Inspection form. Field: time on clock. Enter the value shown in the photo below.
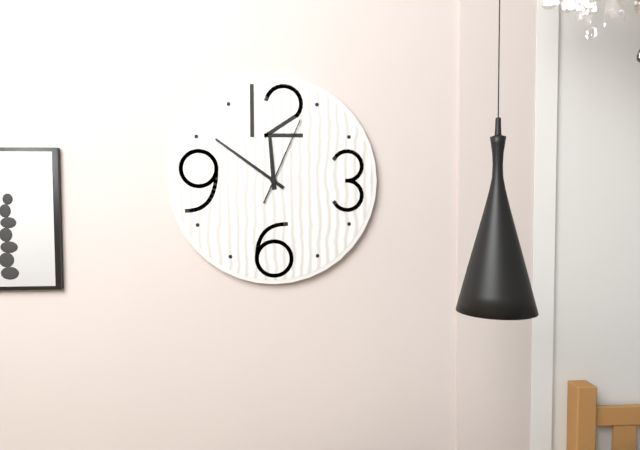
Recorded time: 11:51:04
